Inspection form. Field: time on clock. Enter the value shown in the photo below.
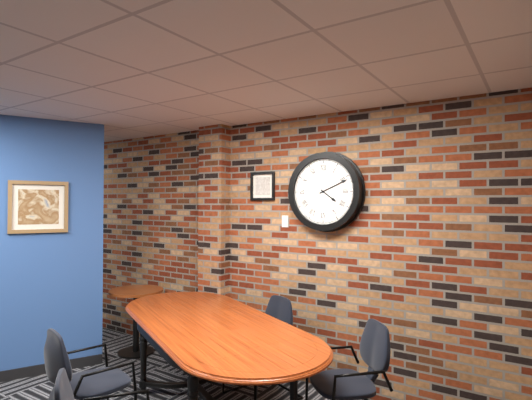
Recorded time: 4:11
